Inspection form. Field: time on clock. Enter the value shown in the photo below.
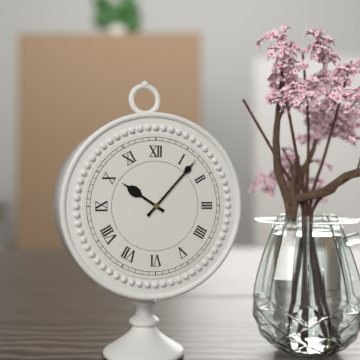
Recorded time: 10:07
